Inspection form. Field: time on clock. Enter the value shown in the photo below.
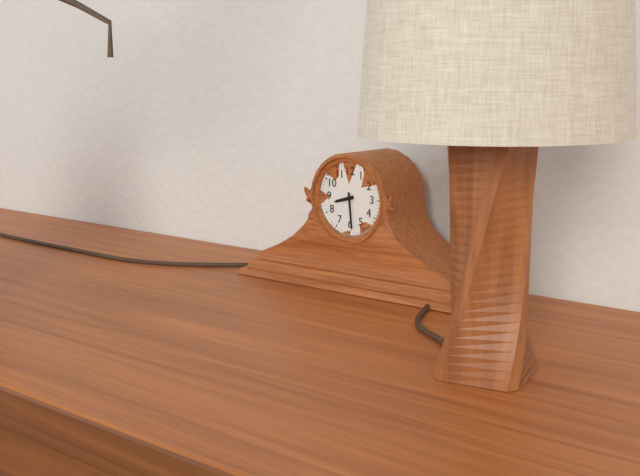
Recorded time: 8:29
